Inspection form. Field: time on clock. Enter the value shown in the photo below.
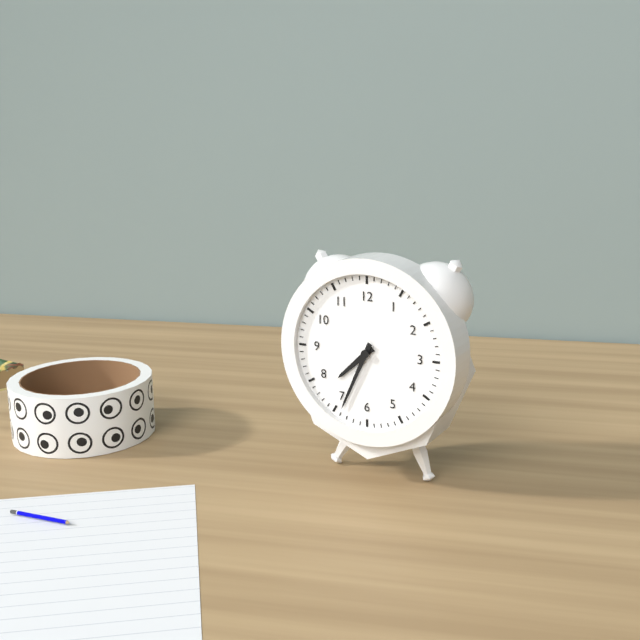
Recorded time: 7:34
